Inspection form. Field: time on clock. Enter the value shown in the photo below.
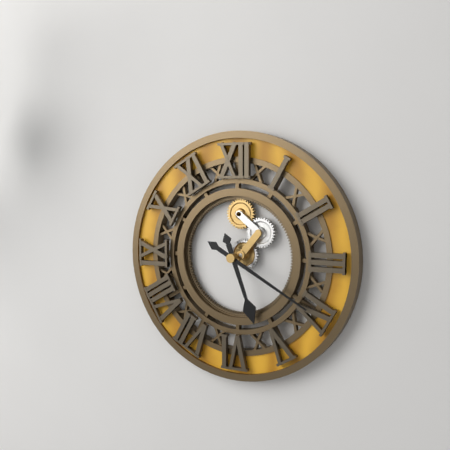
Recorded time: 5:20
